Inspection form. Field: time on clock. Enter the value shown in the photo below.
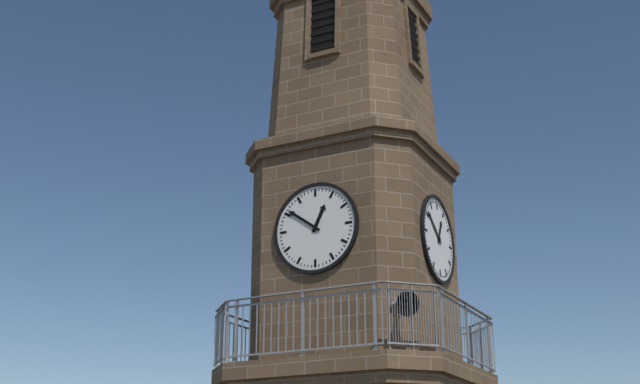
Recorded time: 12:51
